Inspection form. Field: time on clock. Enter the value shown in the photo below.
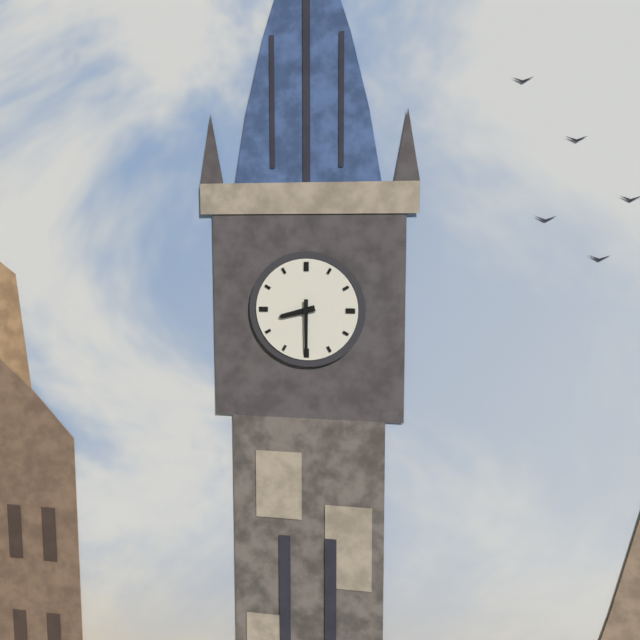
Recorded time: 8:30
